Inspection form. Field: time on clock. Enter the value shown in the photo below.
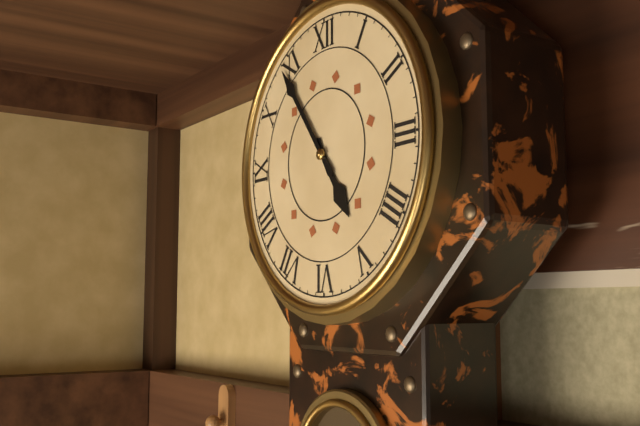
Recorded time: 4:54
